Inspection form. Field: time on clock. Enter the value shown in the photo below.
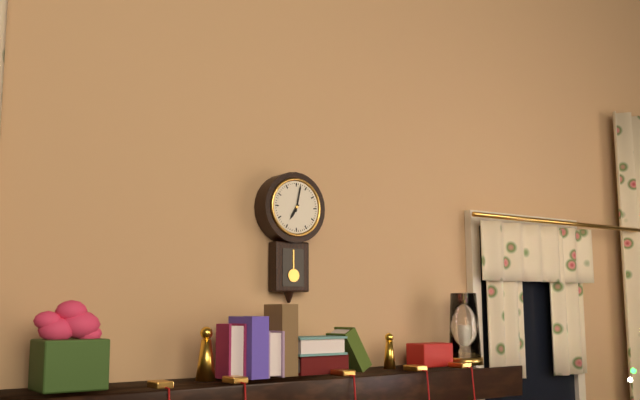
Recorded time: 7:02
